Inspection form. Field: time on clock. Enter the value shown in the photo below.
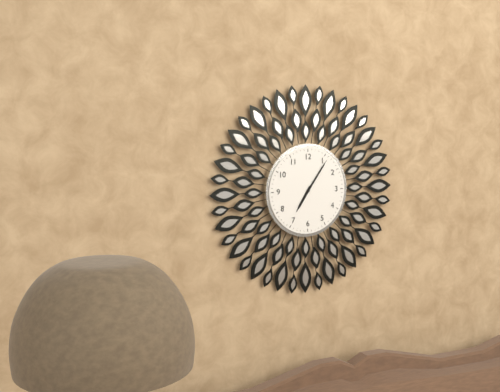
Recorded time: 7:06
